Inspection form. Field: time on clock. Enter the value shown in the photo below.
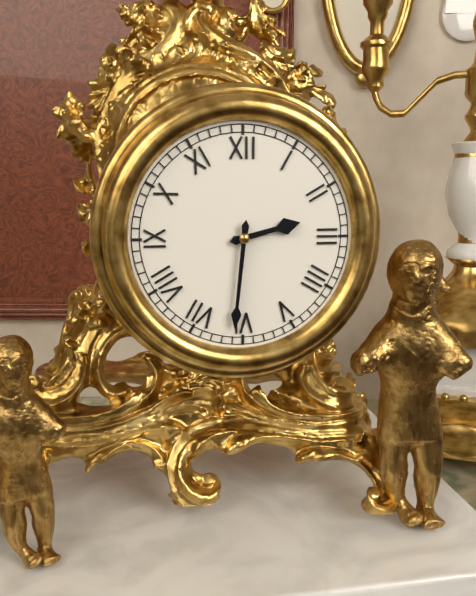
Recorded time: 2:31
